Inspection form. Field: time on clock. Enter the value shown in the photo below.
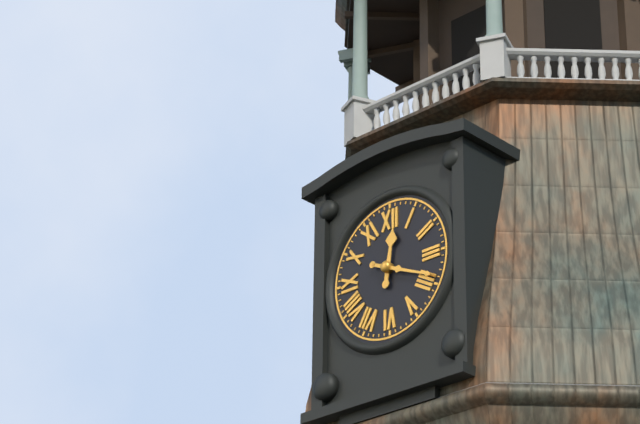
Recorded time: 12:19
